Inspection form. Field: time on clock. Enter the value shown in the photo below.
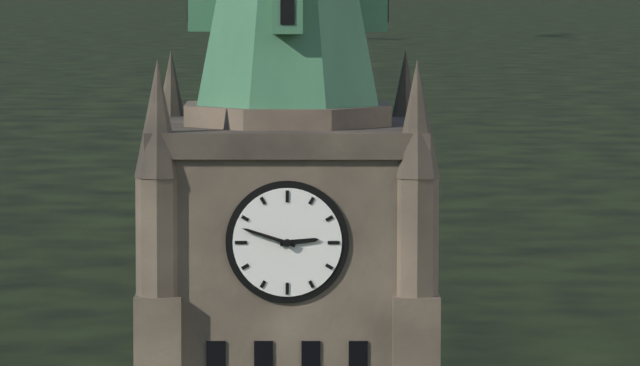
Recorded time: 2:48
